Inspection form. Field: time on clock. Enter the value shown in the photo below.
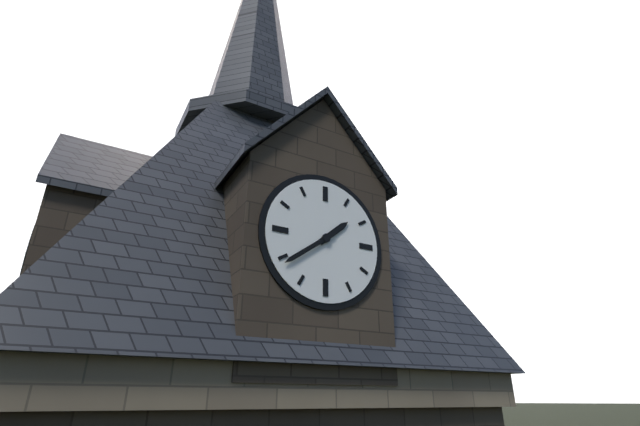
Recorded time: 1:39
